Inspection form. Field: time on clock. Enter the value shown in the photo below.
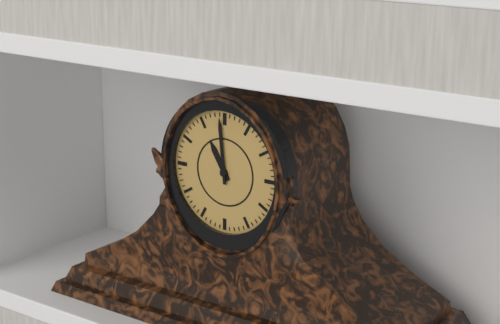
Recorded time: 10:59
